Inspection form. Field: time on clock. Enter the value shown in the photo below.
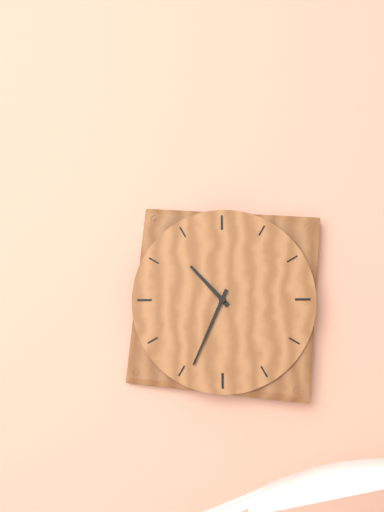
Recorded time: 10:34
